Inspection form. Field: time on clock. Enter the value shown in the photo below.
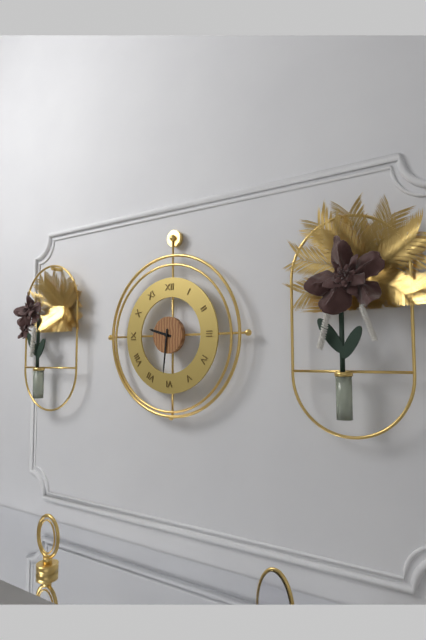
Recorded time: 9:31
